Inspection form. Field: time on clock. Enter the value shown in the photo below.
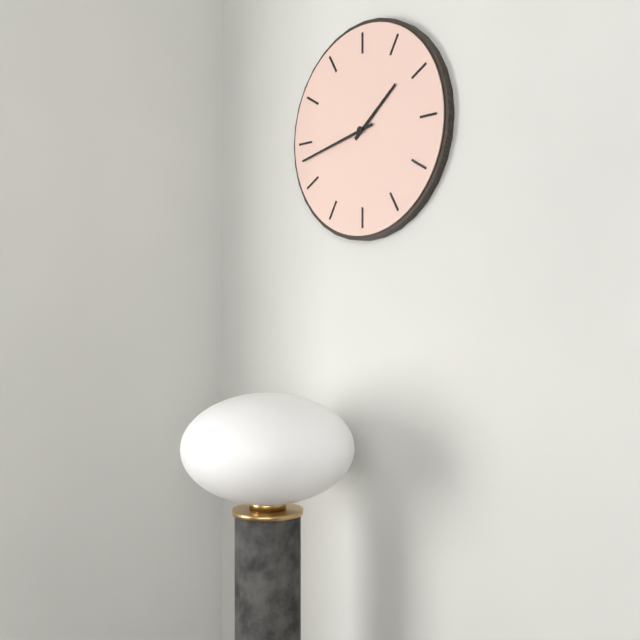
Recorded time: 1:43
